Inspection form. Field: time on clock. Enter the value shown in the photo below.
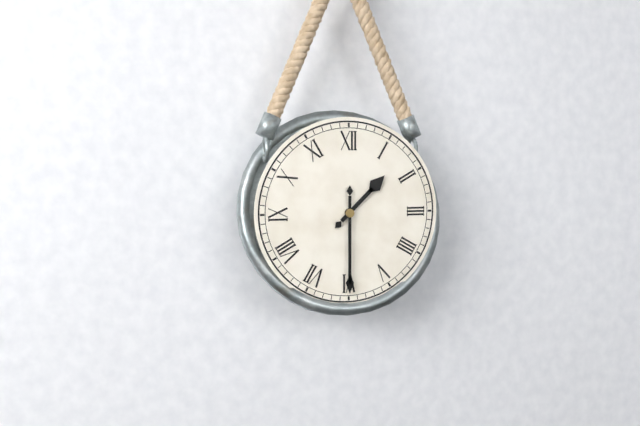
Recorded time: 1:30
